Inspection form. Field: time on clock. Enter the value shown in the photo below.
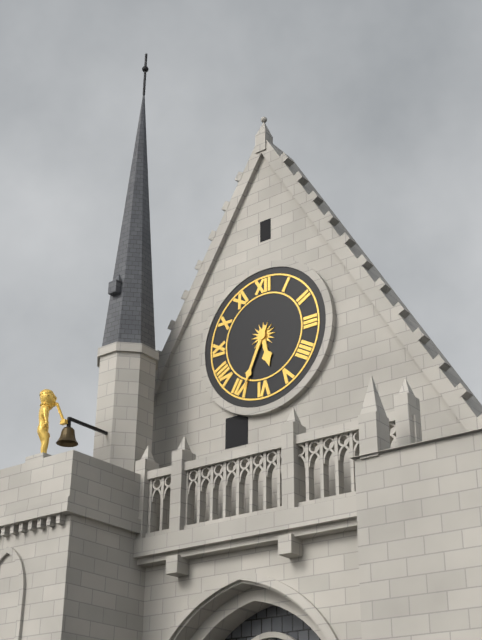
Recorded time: 5:34
